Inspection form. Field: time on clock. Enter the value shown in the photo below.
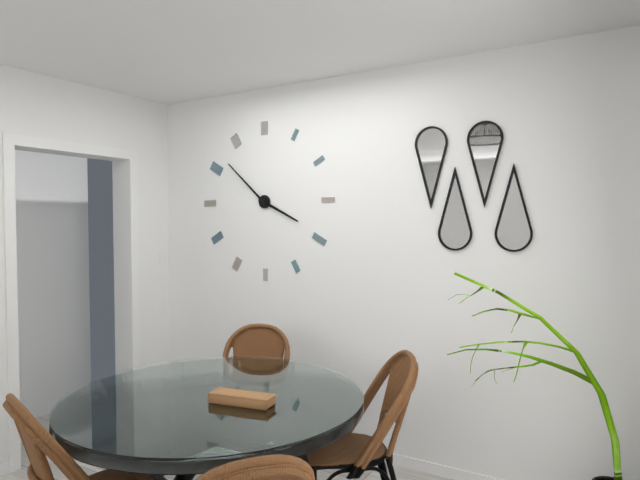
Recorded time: 3:52
